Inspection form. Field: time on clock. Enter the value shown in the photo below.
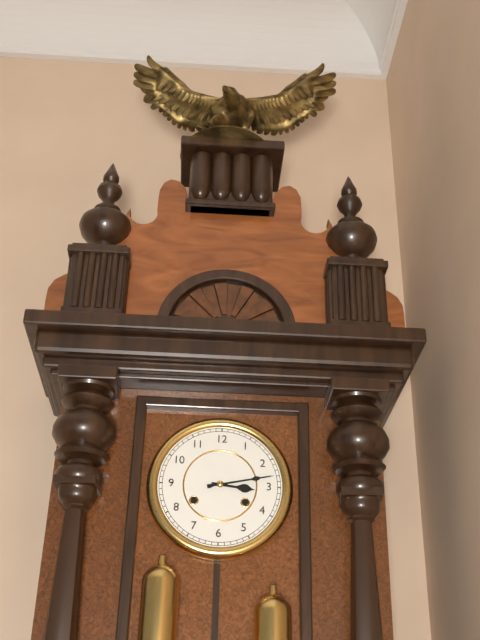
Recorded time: 3:13
